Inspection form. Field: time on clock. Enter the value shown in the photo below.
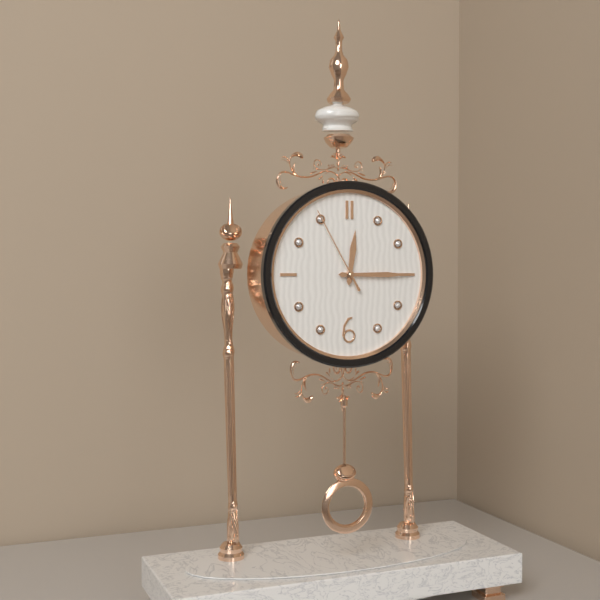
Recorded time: 12:15:55
